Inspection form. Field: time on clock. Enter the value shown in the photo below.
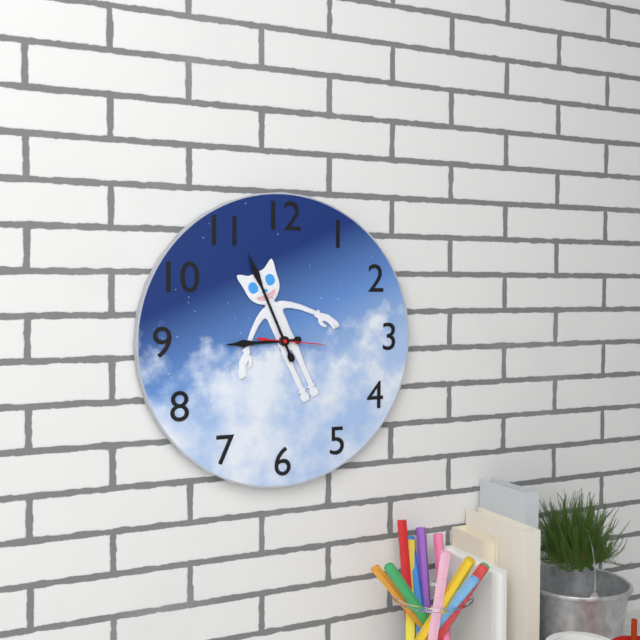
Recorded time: 8:56:16
